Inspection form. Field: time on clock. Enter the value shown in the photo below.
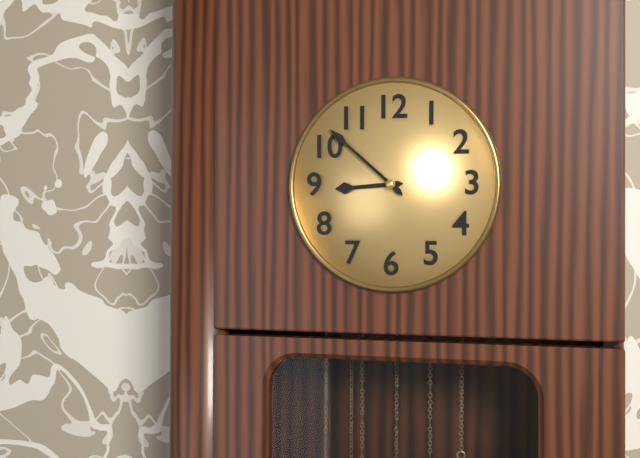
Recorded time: 8:52
